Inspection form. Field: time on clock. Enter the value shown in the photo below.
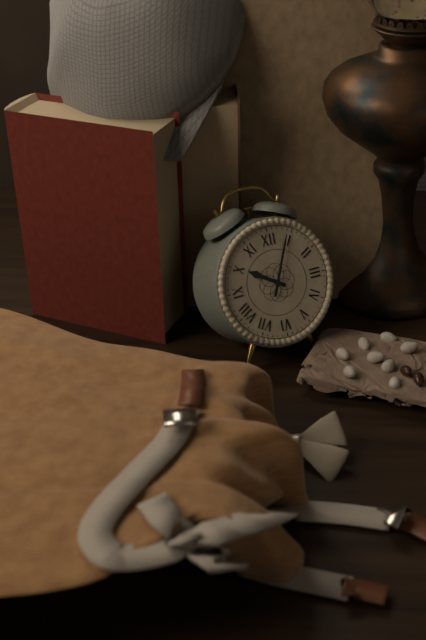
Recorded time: 10:04
